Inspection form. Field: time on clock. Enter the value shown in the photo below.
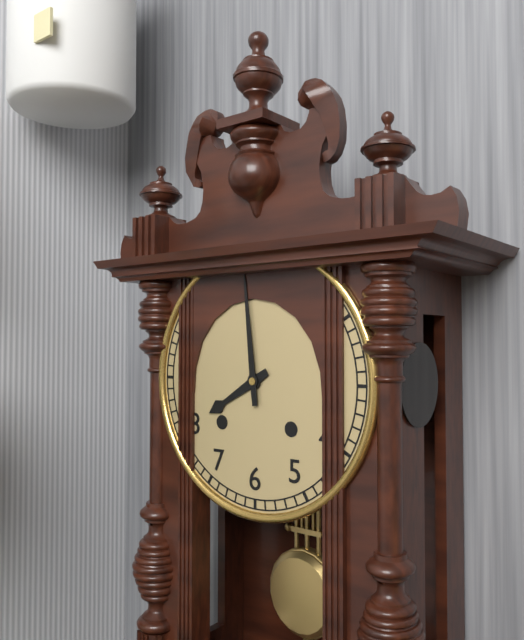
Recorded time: 7:59
